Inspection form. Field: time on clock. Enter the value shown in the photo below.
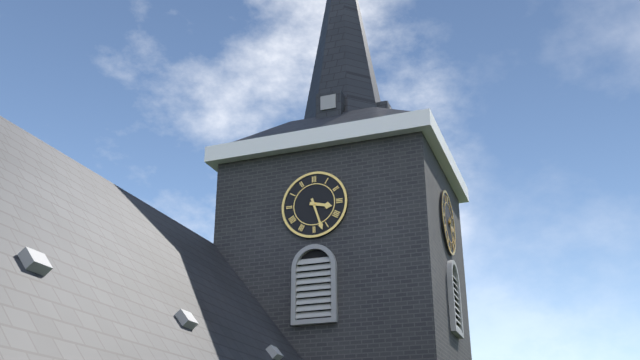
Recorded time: 3:27
